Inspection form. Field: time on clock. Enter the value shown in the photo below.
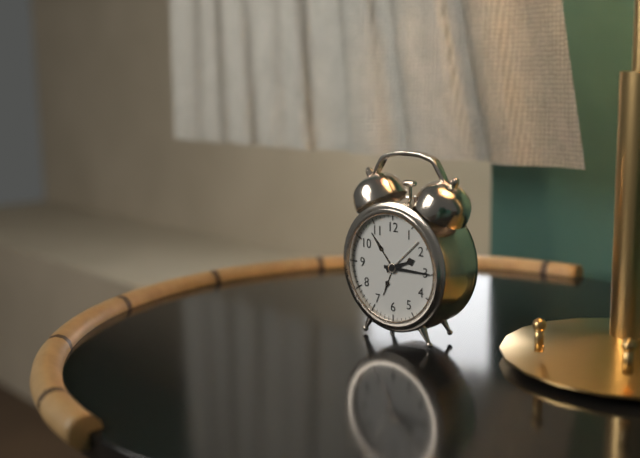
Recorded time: 2:15
